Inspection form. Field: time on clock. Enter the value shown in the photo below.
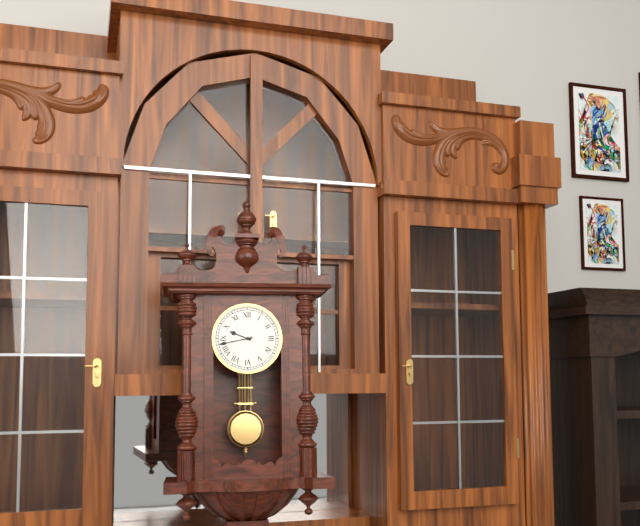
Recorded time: 9:43
